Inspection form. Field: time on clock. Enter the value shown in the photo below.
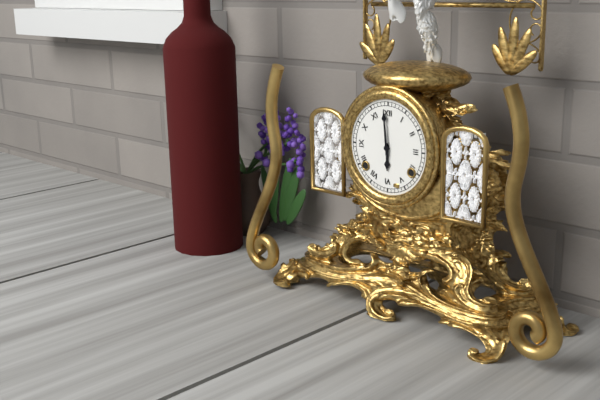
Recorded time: 5:59
